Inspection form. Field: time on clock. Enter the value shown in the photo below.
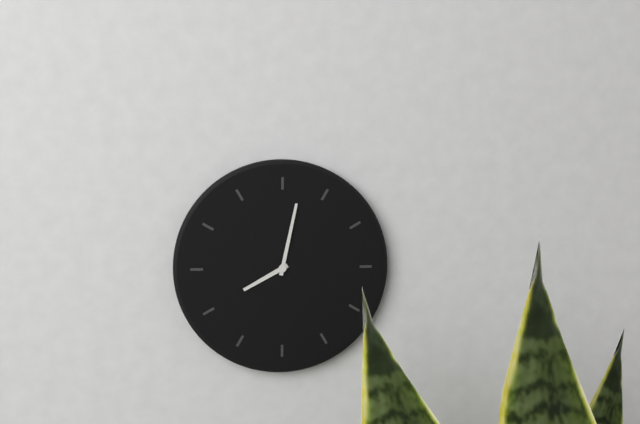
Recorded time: 8:02
